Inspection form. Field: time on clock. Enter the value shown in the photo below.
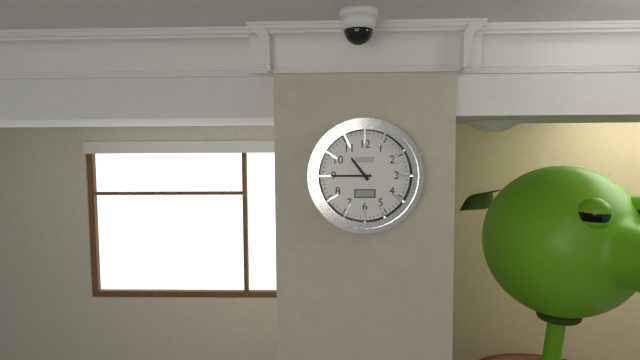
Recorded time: 10:45
